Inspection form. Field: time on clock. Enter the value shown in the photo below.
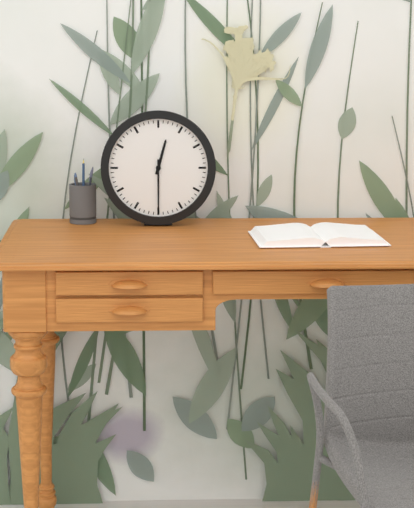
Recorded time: 12:30
